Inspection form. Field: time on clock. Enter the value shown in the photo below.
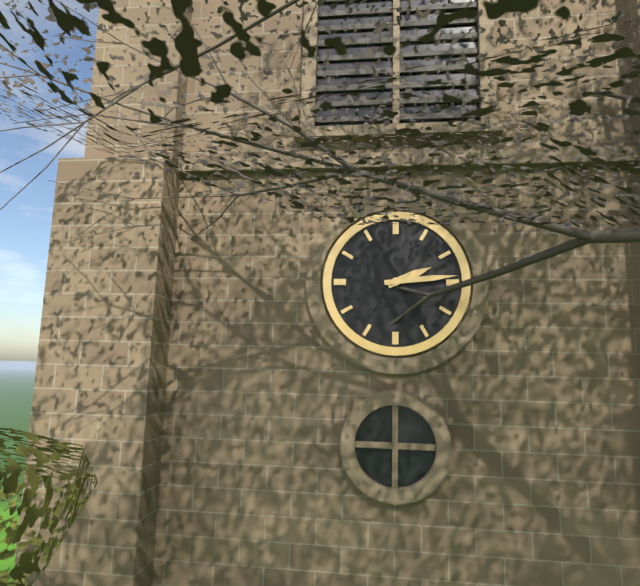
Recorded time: 2:14
